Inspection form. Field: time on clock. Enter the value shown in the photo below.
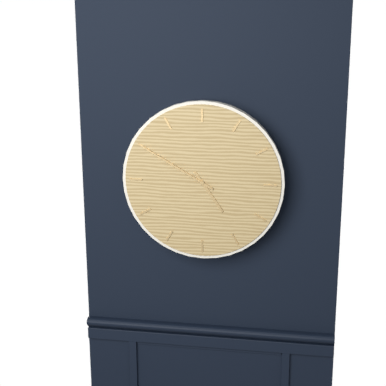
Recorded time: 4:50
